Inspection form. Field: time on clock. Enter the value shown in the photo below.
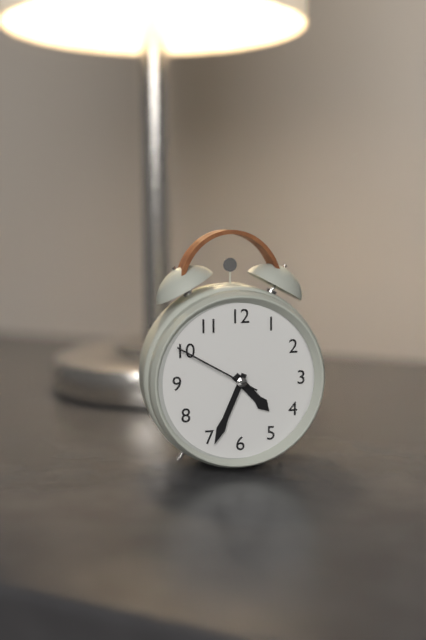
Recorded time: 4:34:50
